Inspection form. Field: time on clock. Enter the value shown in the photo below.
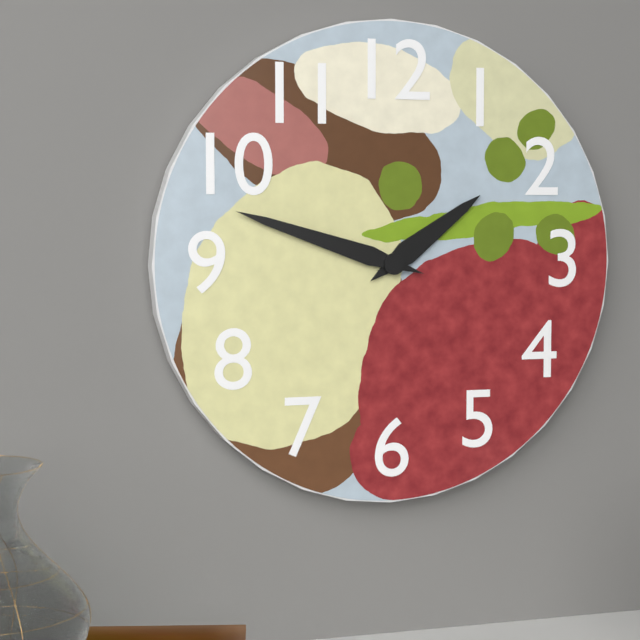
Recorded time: 1:48
